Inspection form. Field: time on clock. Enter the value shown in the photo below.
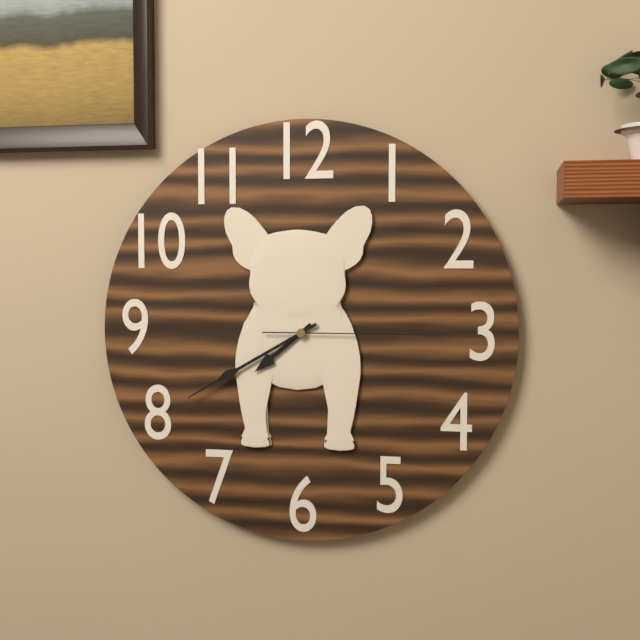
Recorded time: 7:40:15
